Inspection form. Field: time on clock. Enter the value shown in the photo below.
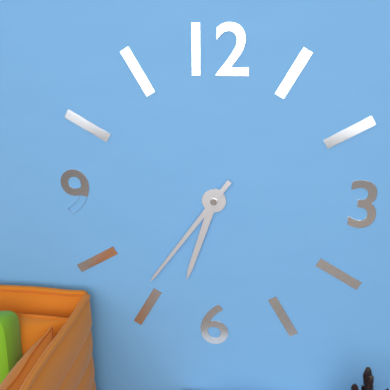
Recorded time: 6:36
